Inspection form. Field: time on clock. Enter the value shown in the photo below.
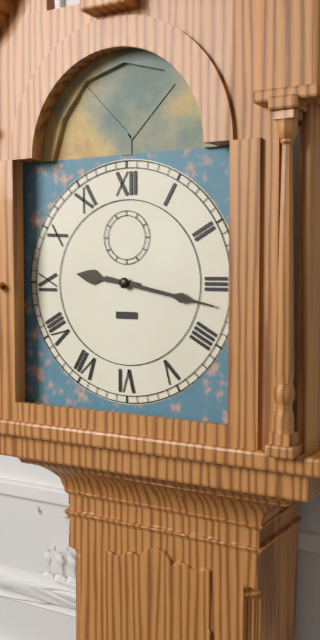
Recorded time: 9:17
